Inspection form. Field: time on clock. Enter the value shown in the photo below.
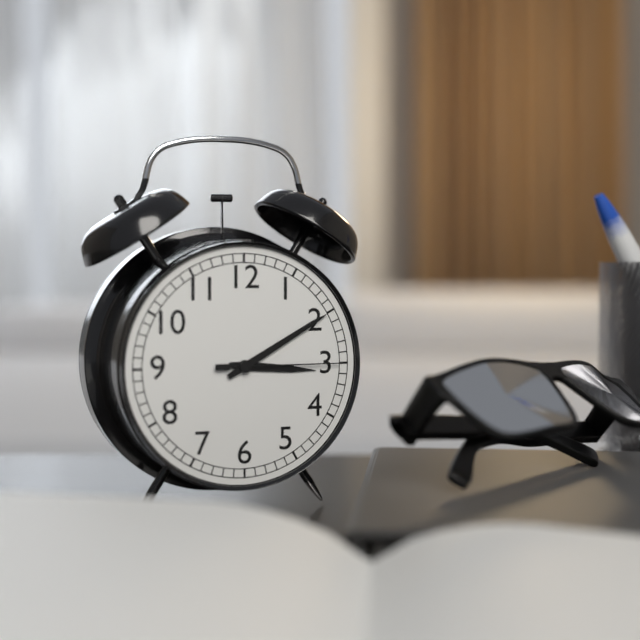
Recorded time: 3:10:15
